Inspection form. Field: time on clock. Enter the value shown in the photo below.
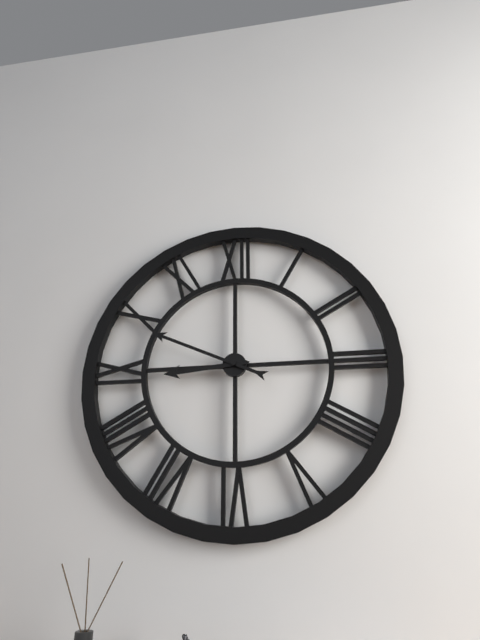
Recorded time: 8:49
